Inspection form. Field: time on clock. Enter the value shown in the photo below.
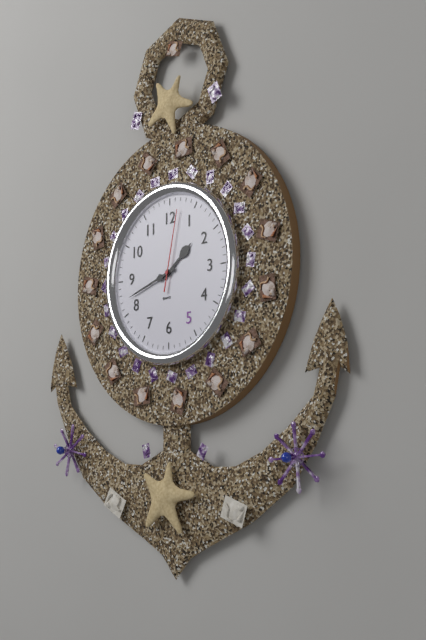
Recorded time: 1:42:02
